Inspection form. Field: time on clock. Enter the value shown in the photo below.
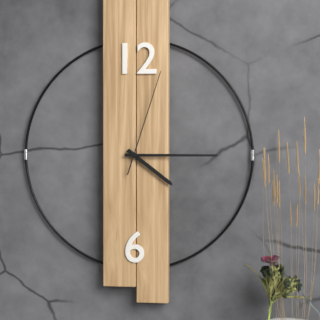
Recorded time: 4:15:03
